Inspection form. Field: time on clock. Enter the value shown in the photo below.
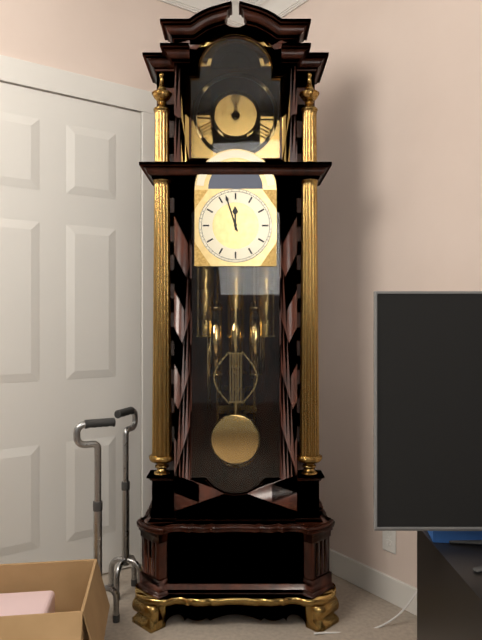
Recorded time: 11:57
